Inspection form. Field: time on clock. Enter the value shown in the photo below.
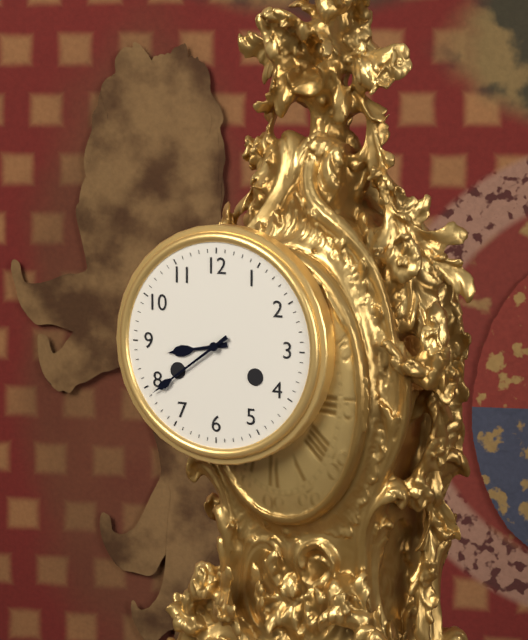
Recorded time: 8:39
